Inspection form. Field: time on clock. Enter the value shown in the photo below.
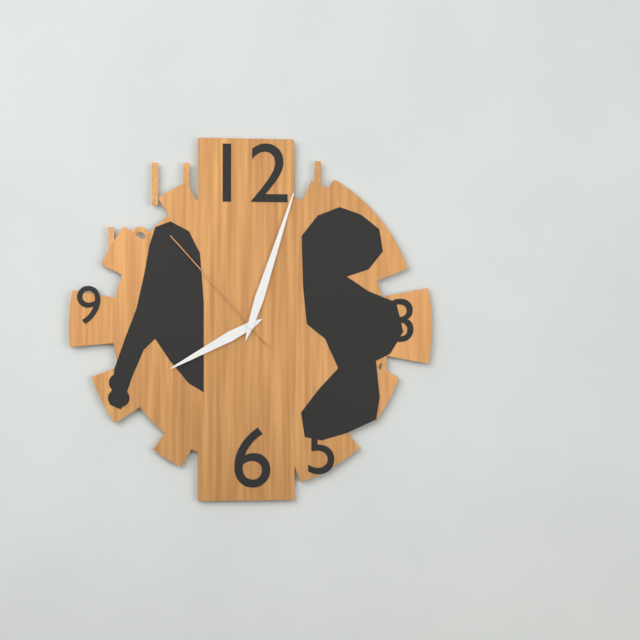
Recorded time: 8:03:53
